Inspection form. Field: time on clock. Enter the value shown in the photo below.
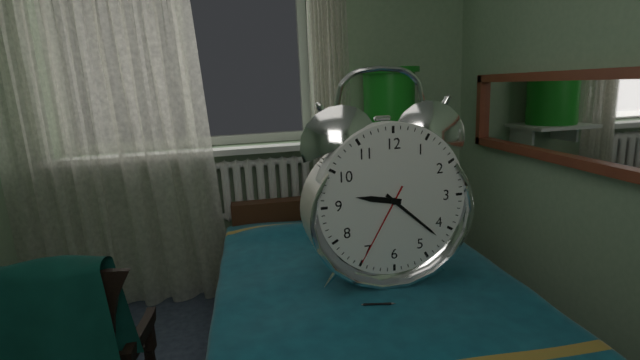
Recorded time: 9:22:35
